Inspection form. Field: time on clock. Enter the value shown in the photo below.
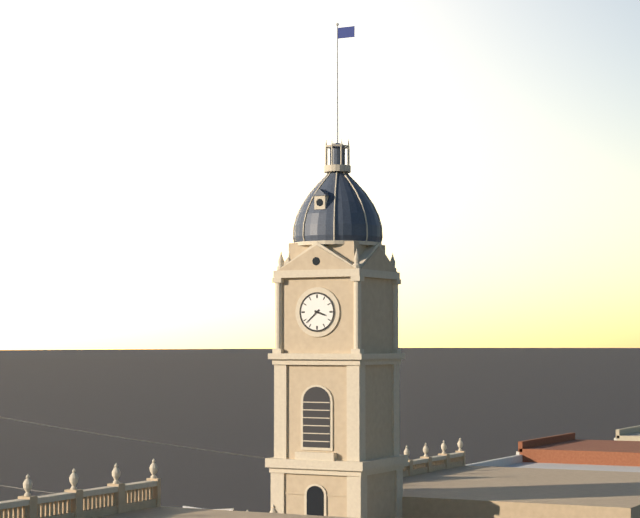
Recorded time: 3:38
